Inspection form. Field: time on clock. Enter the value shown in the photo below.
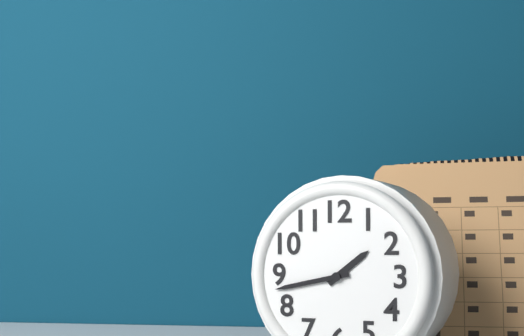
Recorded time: 1:43
